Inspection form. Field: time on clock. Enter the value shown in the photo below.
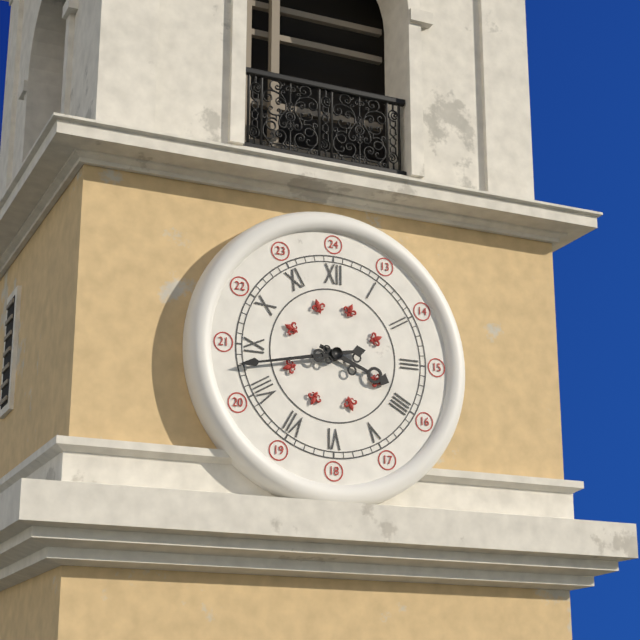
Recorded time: 3:43
